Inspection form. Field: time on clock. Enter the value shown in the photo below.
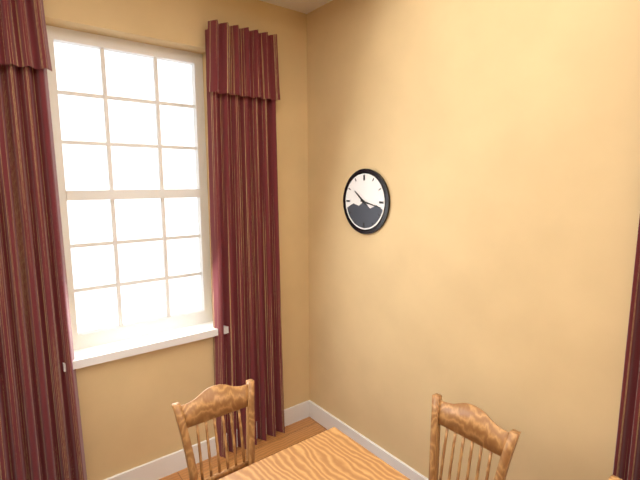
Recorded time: 10:17
